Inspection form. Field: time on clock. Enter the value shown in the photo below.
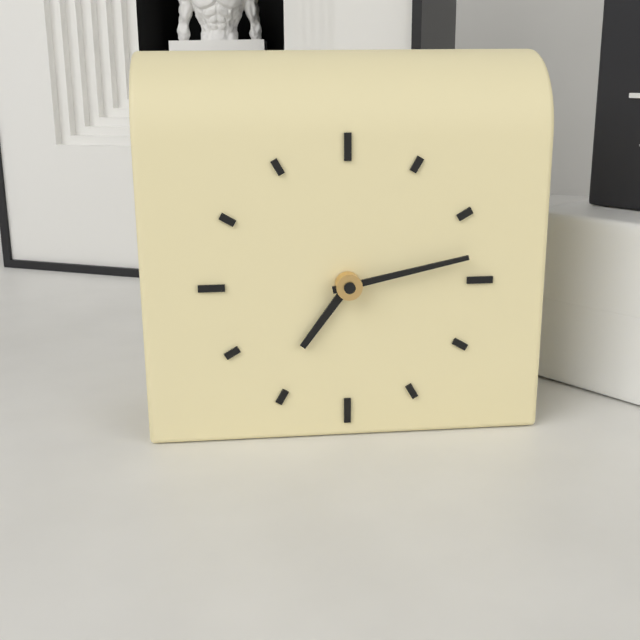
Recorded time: 7:13
